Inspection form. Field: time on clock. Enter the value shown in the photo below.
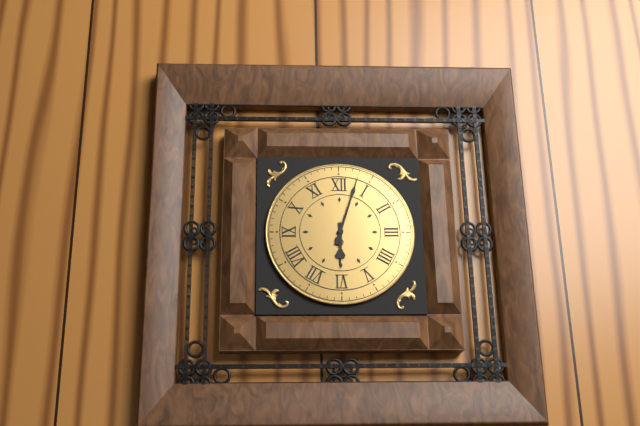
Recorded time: 6:03
